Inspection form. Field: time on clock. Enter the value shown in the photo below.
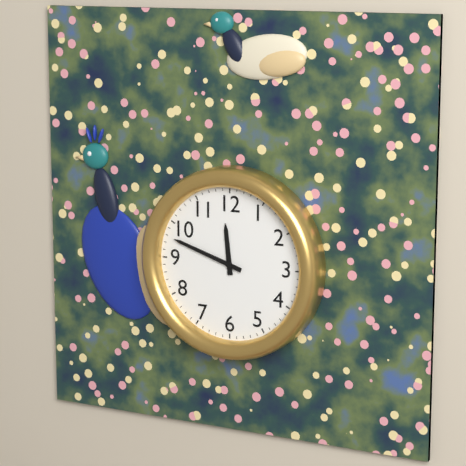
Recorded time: 11:48
